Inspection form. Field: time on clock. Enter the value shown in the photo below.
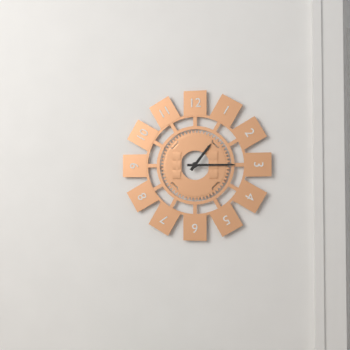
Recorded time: 1:15
